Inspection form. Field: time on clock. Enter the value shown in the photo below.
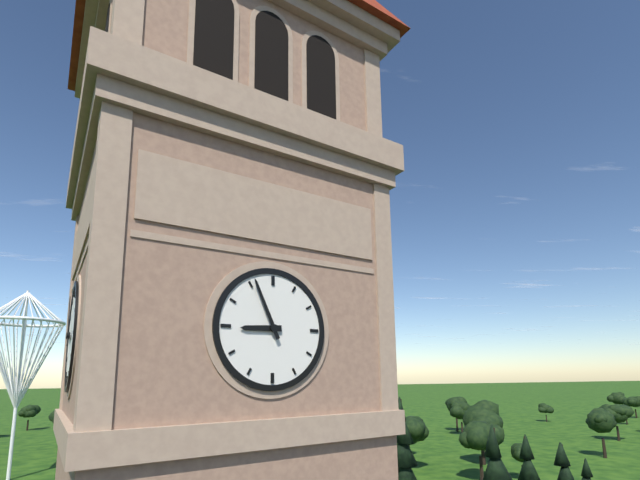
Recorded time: 8:56
